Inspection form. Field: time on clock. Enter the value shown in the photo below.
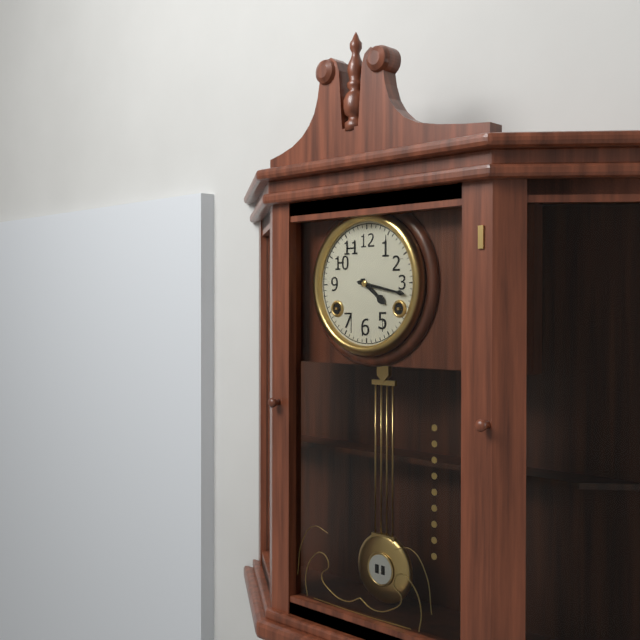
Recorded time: 4:17
